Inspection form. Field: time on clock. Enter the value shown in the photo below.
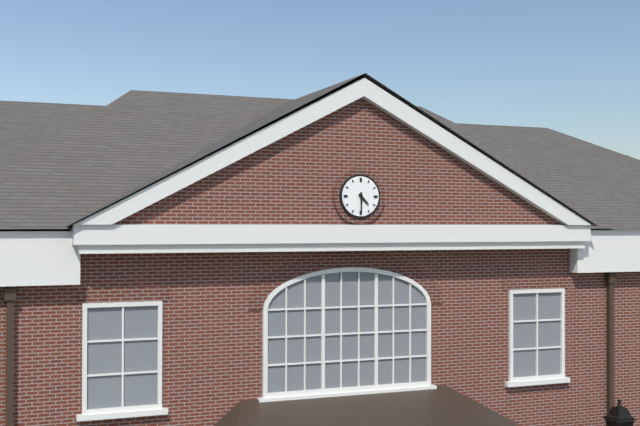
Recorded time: 4:30
